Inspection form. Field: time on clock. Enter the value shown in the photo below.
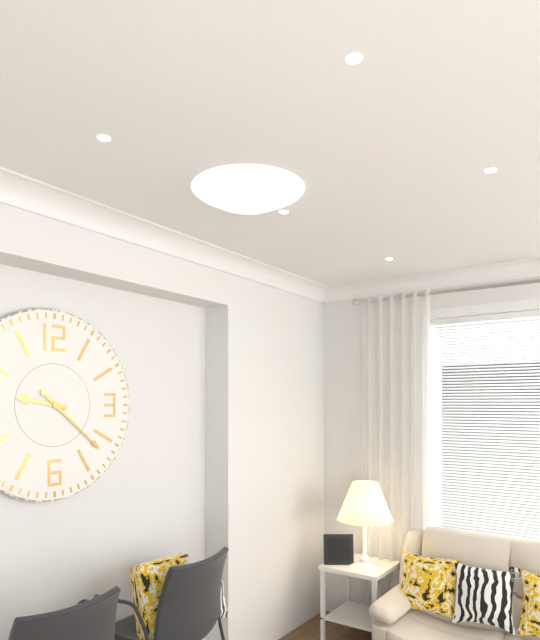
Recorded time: 9:22
